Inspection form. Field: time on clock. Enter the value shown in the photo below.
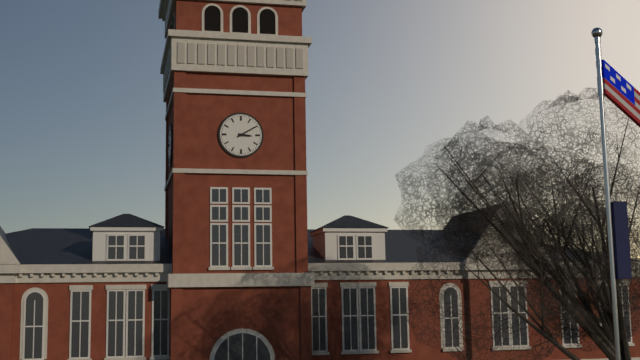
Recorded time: 3:10
